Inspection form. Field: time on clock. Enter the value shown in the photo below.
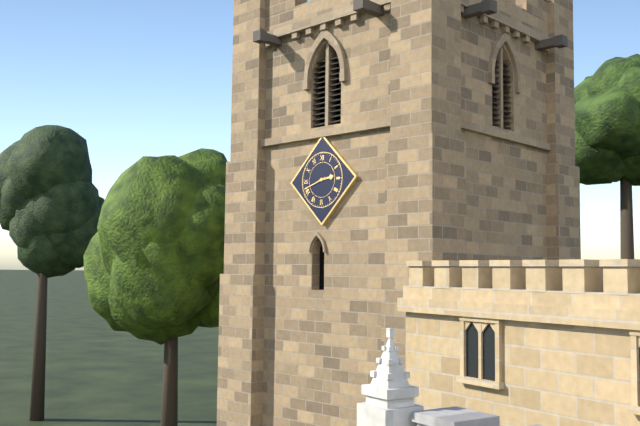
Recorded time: 2:42
